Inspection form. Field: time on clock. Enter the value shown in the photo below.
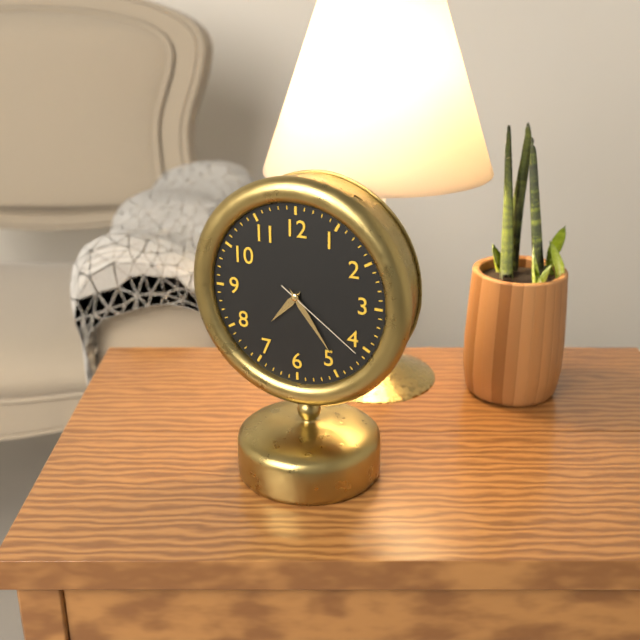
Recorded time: 7:24:21
